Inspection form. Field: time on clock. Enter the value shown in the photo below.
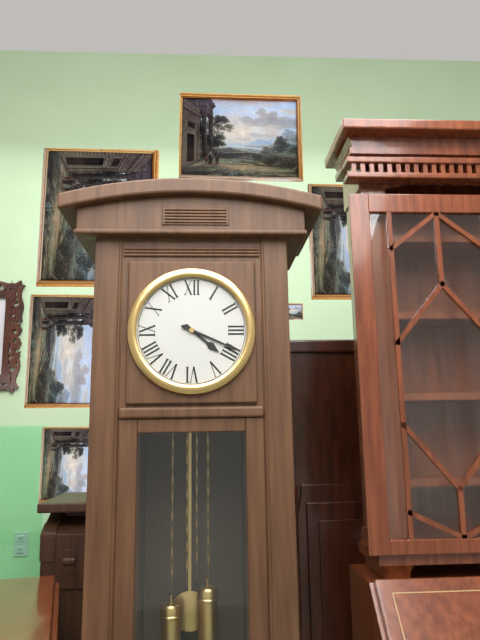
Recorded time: 4:19
